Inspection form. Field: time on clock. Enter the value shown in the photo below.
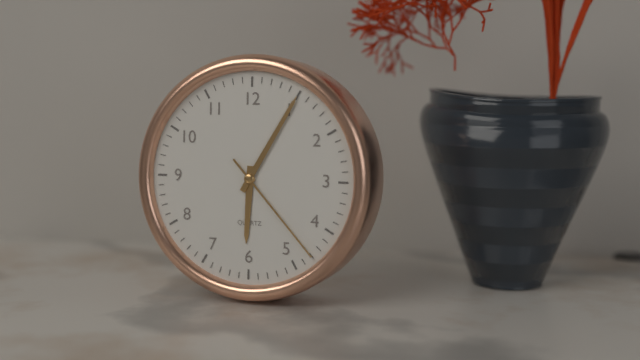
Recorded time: 6:05:23
